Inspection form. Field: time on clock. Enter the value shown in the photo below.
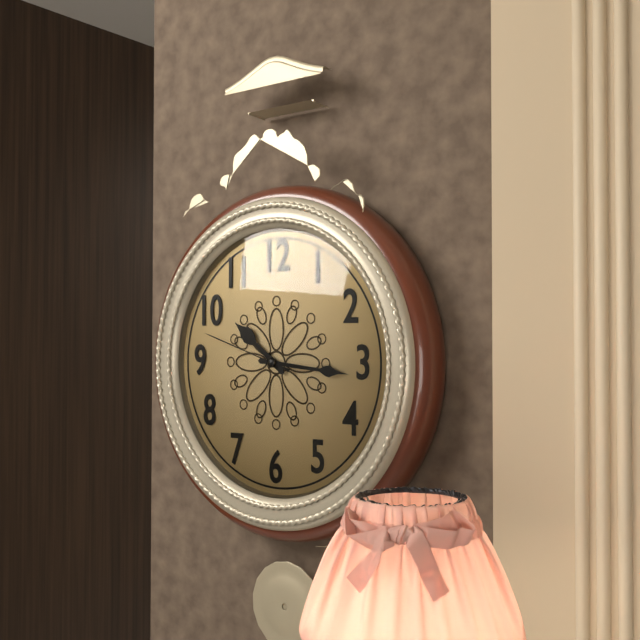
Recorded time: 10:16:48
